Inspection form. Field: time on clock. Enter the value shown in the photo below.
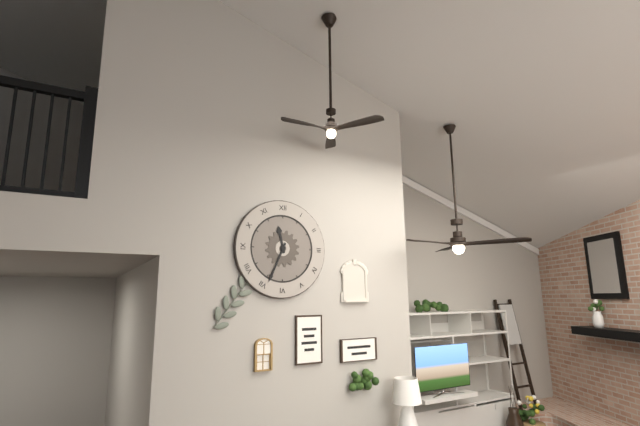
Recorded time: 11:34
